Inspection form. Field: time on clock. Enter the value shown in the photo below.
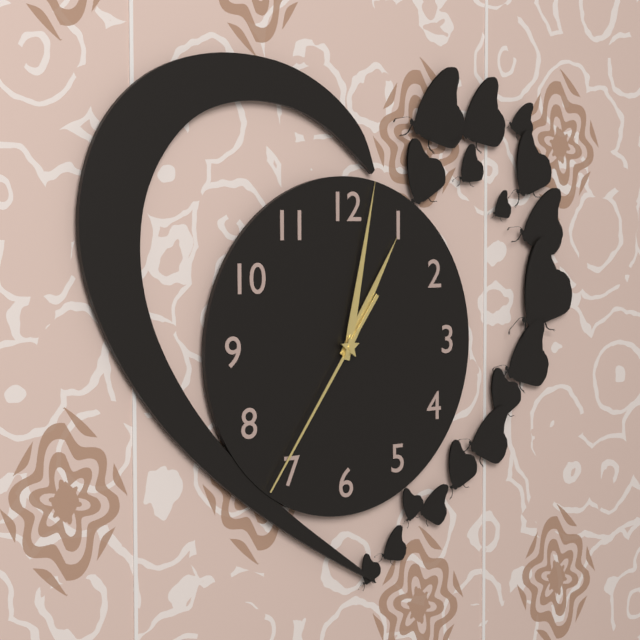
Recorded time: 1:02:36
